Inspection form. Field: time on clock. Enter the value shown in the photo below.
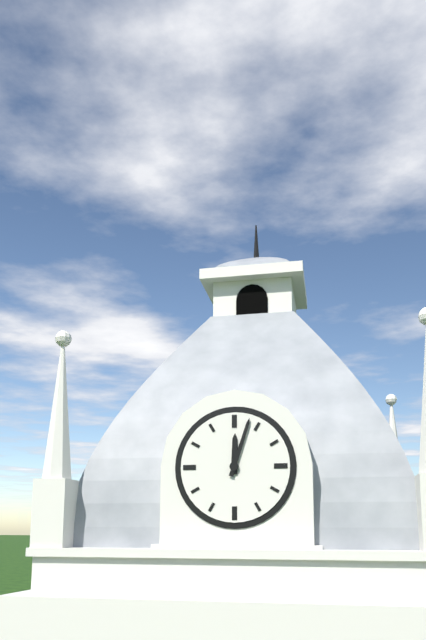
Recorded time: 12:03
